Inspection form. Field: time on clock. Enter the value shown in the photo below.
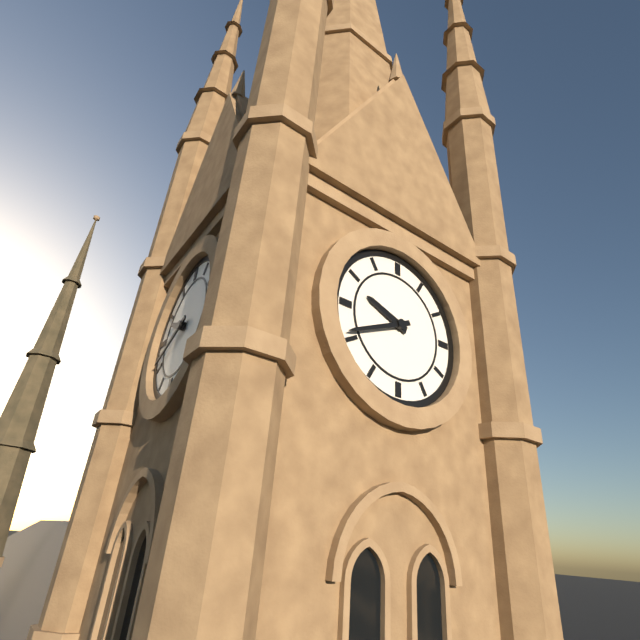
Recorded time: 9:41
